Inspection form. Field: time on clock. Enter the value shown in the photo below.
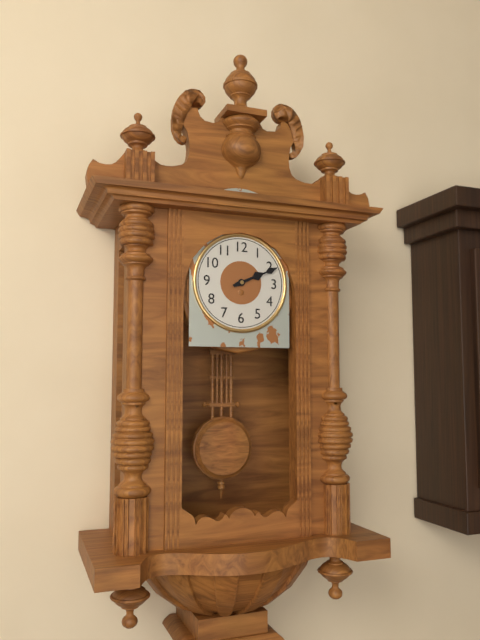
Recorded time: 2:11
